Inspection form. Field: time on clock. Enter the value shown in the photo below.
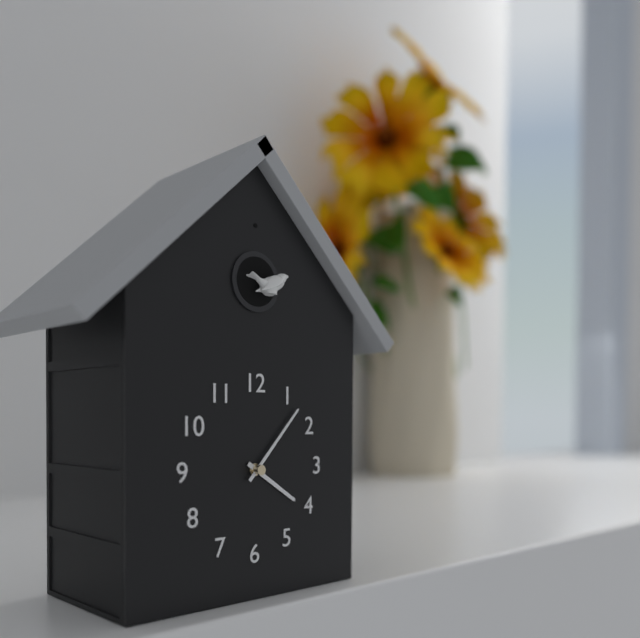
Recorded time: 4:07
